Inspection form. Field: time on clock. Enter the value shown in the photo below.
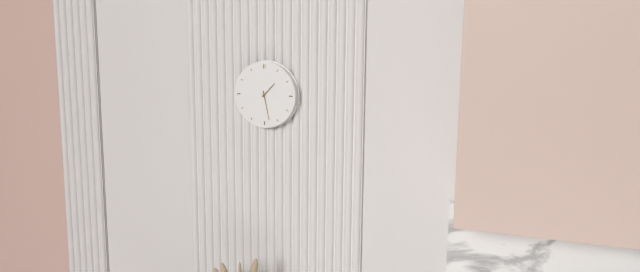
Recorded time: 1:28
